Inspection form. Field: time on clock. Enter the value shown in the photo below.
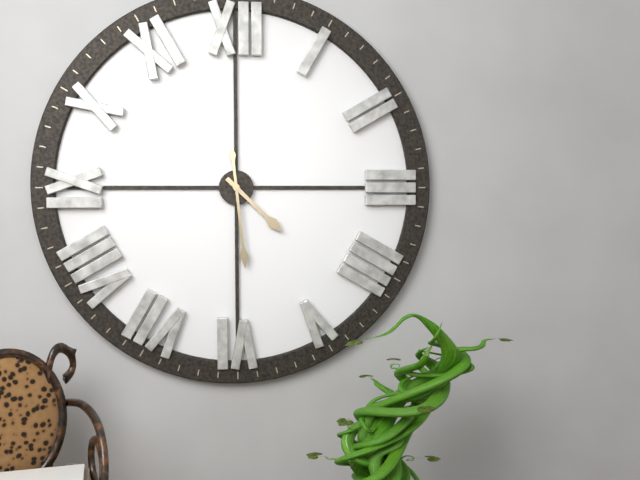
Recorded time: 4:29
